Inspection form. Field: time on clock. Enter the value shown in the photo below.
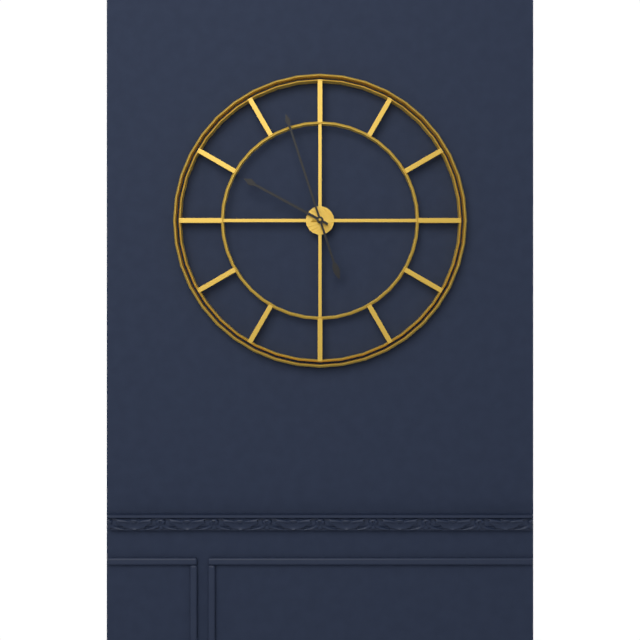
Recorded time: 9:57
